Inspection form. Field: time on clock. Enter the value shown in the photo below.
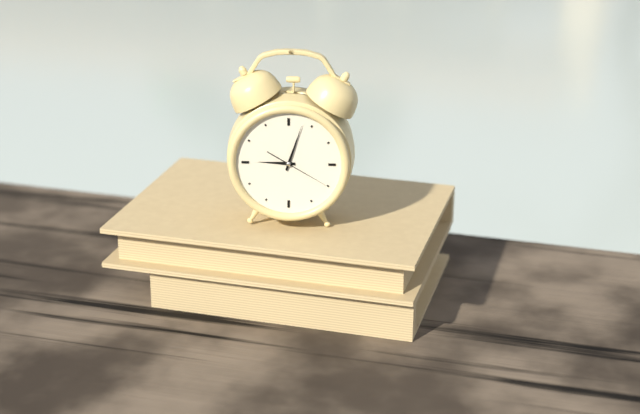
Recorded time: 9:03:20
